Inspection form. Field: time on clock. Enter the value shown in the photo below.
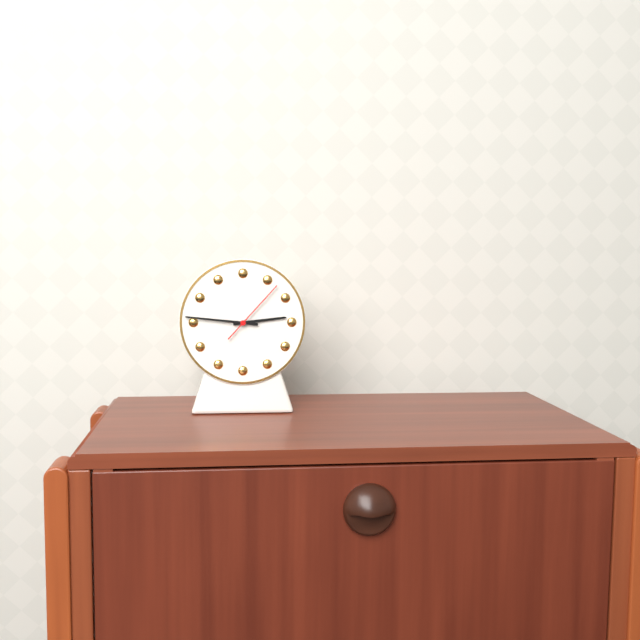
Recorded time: 2:46:07
